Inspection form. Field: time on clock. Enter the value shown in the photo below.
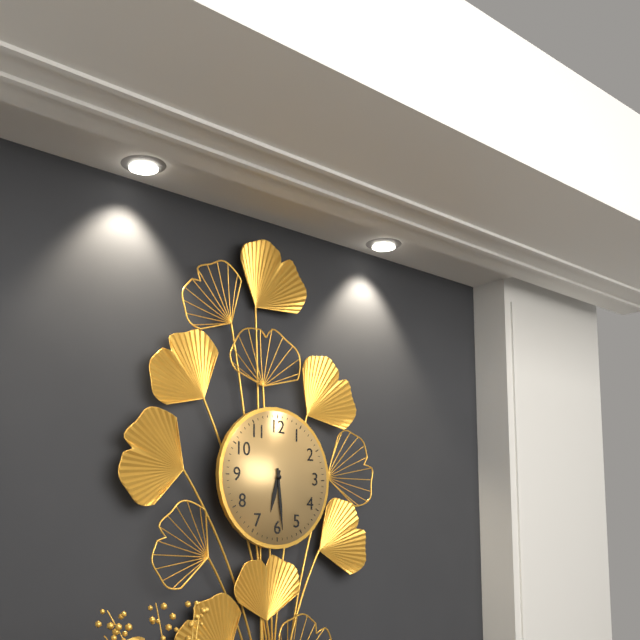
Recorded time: 6:29
